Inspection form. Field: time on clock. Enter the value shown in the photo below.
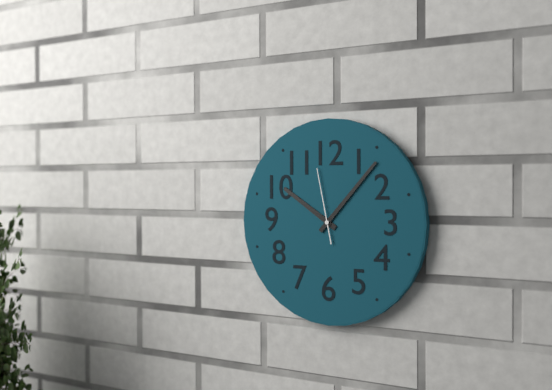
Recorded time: 10:07:58
